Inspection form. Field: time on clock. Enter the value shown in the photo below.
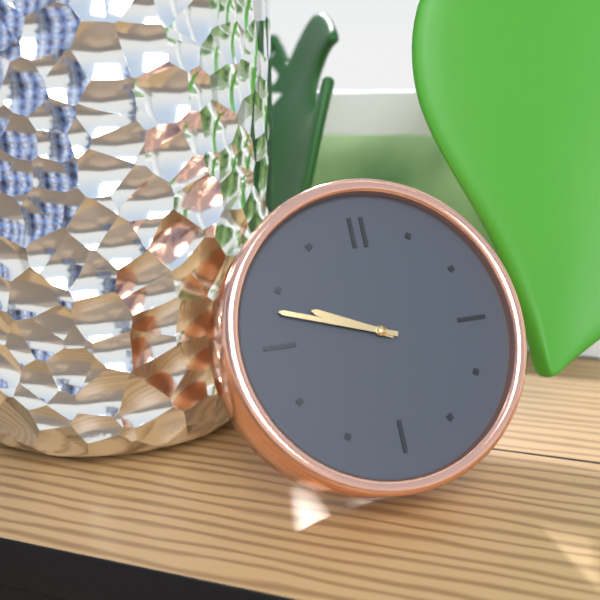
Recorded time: 9:48
